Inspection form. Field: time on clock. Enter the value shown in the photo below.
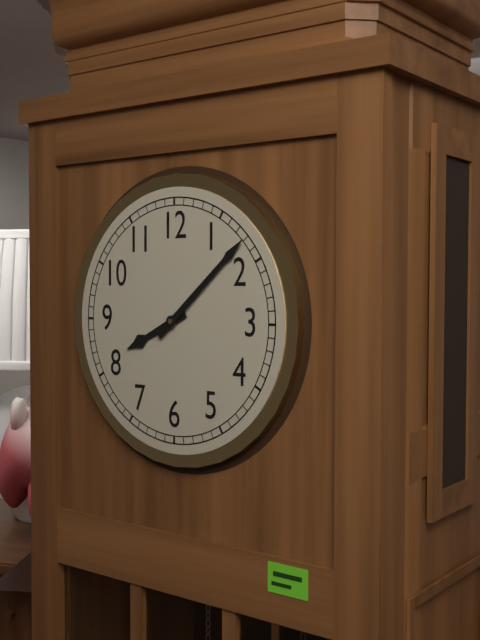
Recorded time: 8:08
